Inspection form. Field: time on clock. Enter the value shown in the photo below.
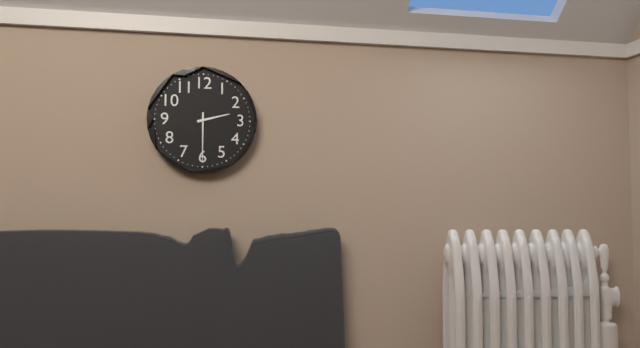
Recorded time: 2:30
